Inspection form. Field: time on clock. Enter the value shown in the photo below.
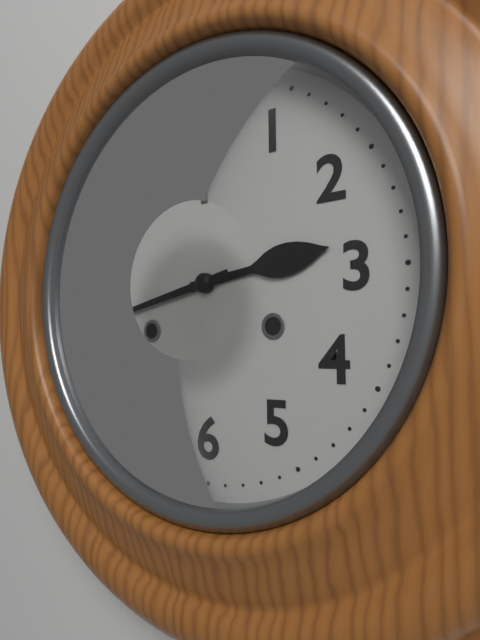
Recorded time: 2:43
